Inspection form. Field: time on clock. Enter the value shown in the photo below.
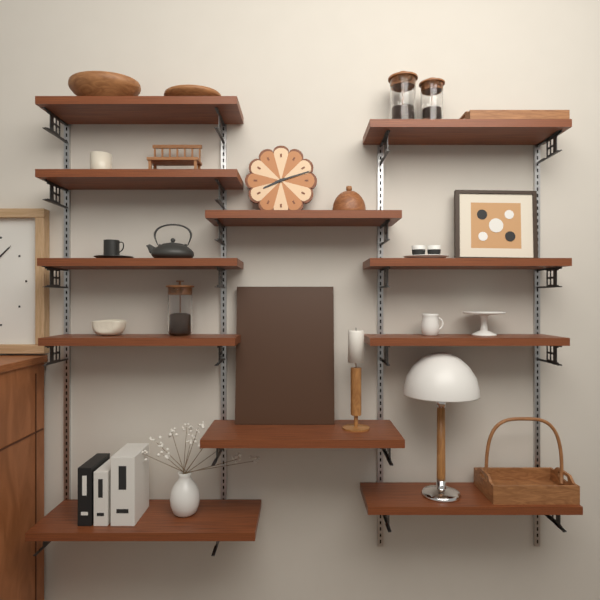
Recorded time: 8:12
